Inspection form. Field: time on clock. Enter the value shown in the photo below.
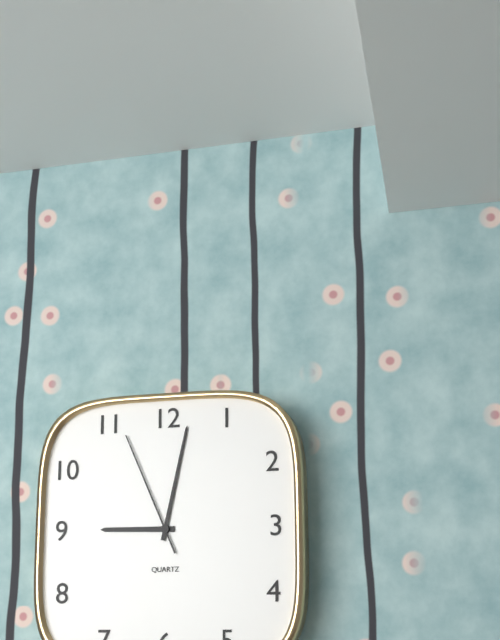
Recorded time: 9:02:56
